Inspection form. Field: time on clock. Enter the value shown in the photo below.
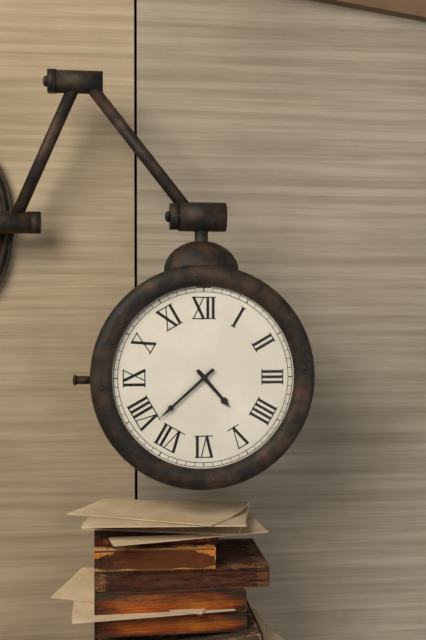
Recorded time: 4:38
